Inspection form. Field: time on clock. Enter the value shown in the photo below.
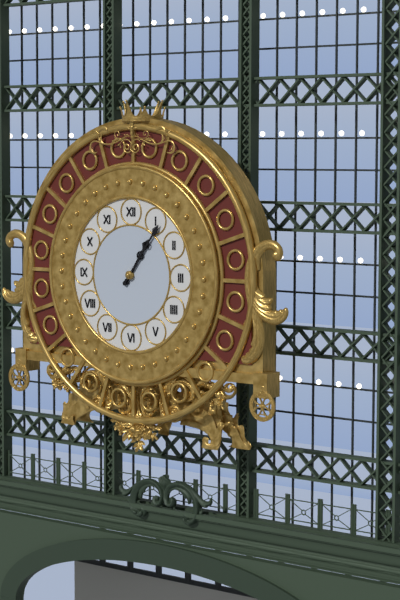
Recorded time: 1:06
